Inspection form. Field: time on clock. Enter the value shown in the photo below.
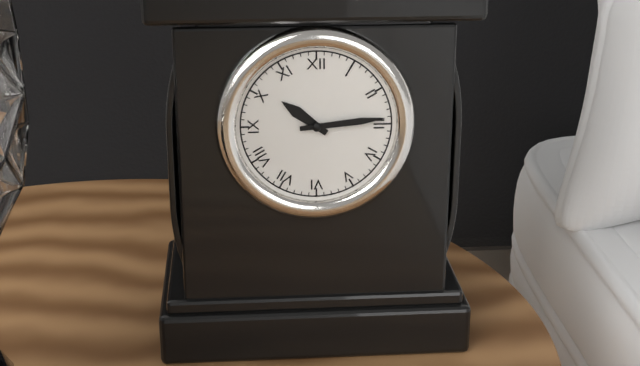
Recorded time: 10:14
